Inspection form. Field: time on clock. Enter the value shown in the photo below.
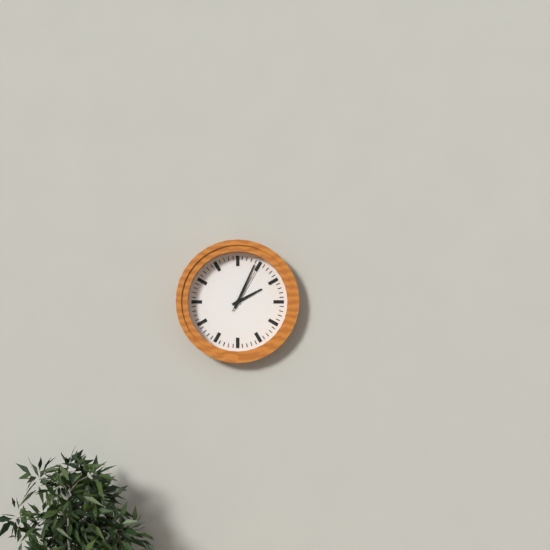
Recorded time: 2:04:05
